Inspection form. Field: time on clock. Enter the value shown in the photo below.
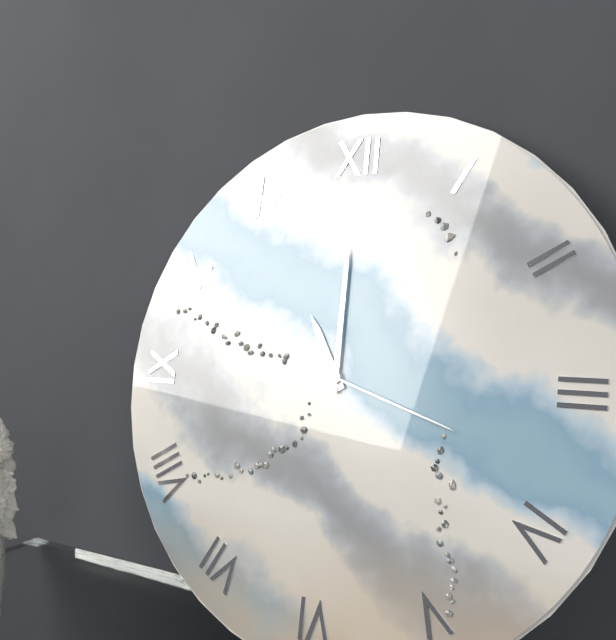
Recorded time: 11:00:18
